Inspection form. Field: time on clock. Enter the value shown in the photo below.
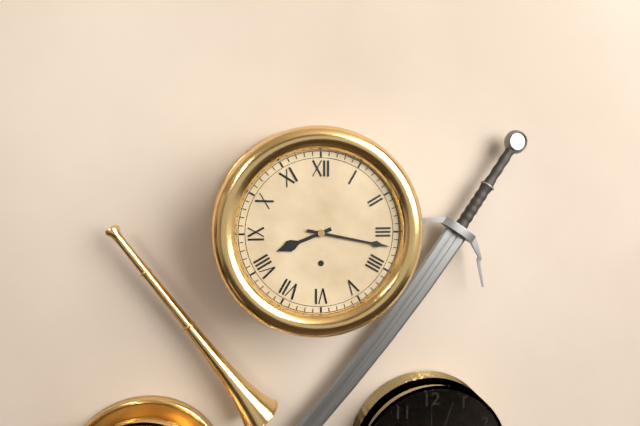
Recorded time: 8:17
